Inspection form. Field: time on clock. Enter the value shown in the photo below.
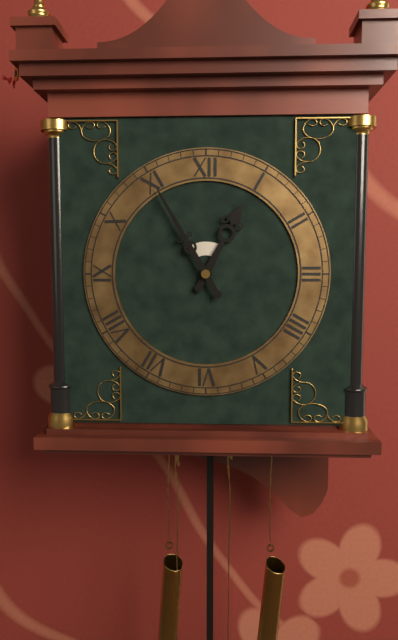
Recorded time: 12:55
